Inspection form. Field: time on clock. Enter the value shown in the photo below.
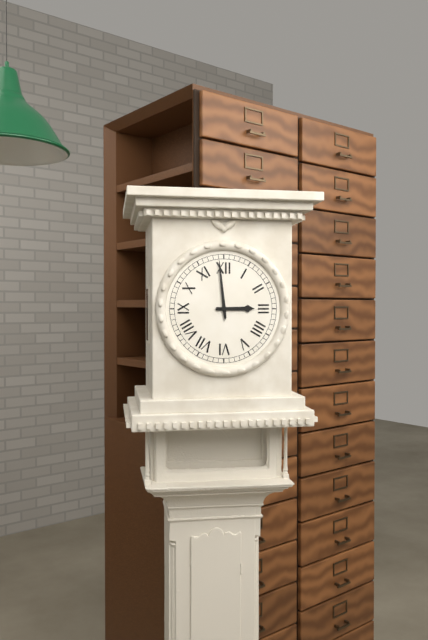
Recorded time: 2:59
